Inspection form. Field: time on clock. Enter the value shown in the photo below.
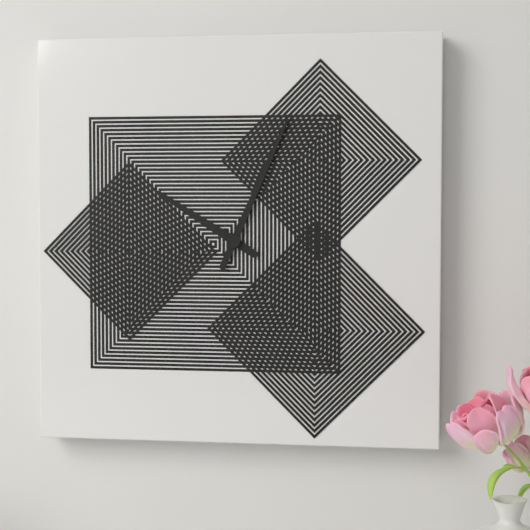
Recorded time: 10:04
